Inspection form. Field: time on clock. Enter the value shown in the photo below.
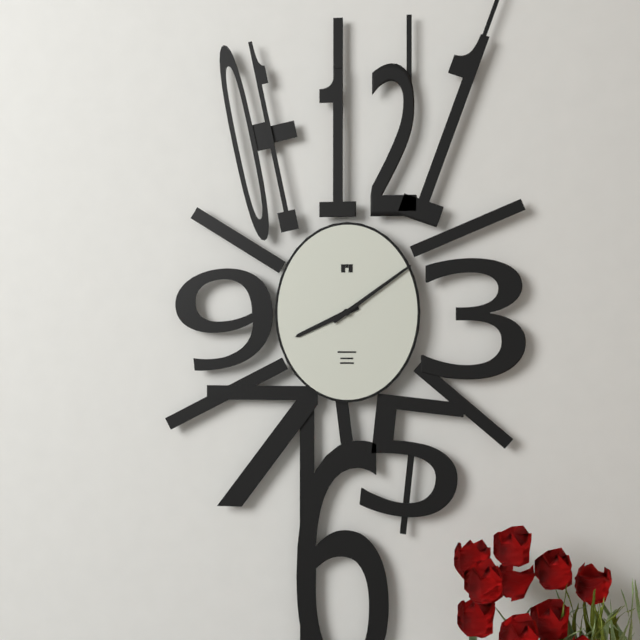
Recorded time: 8:09
